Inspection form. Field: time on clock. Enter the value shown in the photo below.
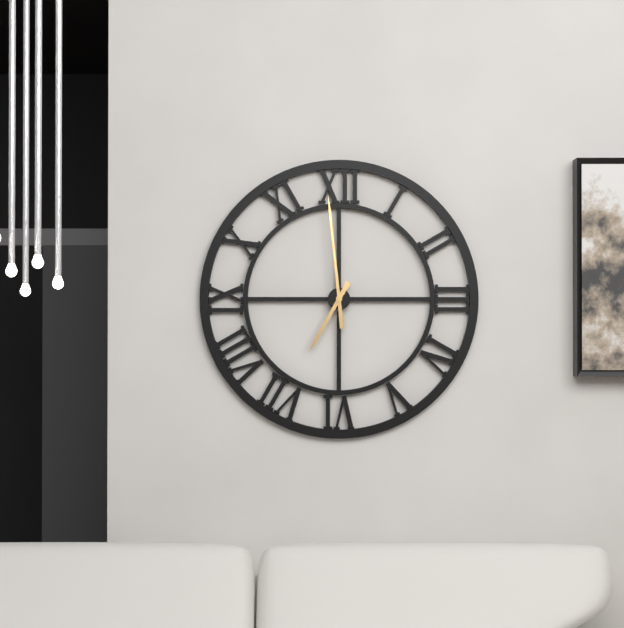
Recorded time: 6:59
